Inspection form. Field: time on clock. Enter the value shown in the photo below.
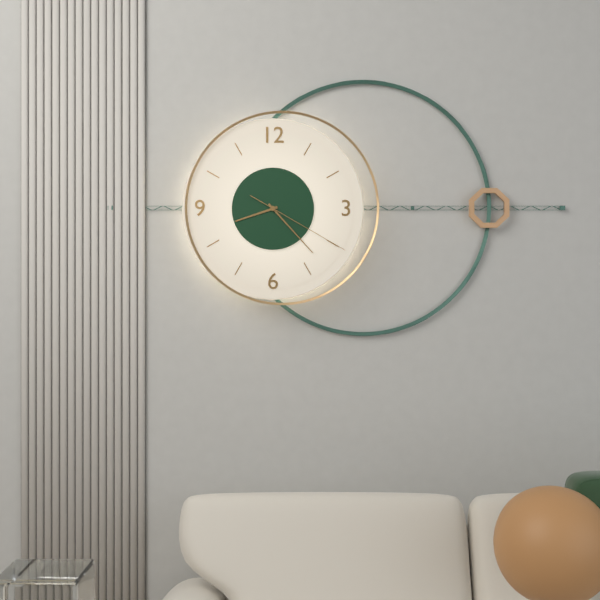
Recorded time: 8:23:20
